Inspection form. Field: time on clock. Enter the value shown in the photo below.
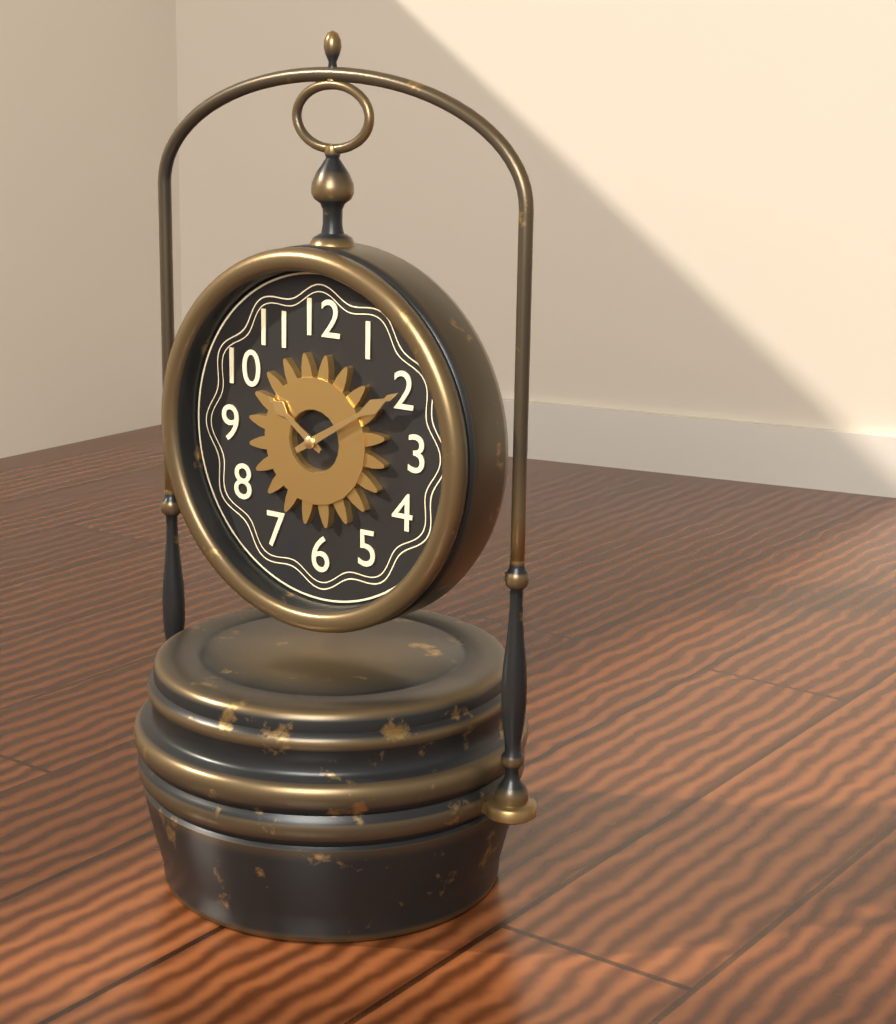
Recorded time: 10:10
